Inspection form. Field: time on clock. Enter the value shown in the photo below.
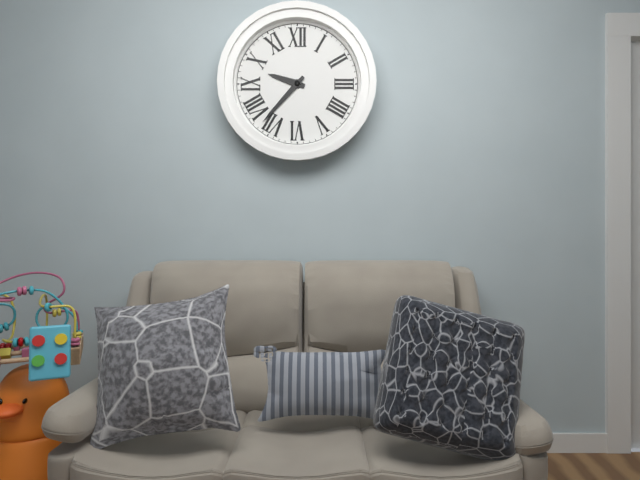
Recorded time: 9:37
